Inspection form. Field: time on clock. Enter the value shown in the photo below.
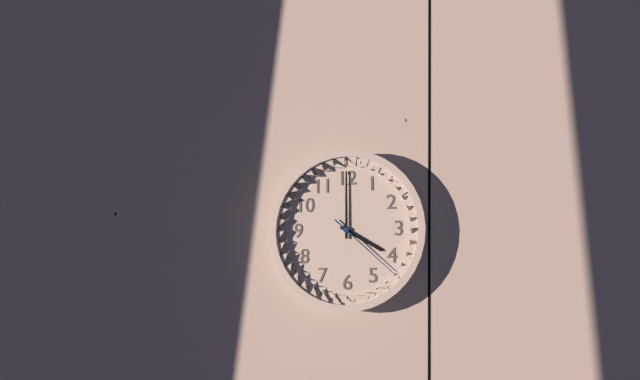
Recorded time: 4:00:22
